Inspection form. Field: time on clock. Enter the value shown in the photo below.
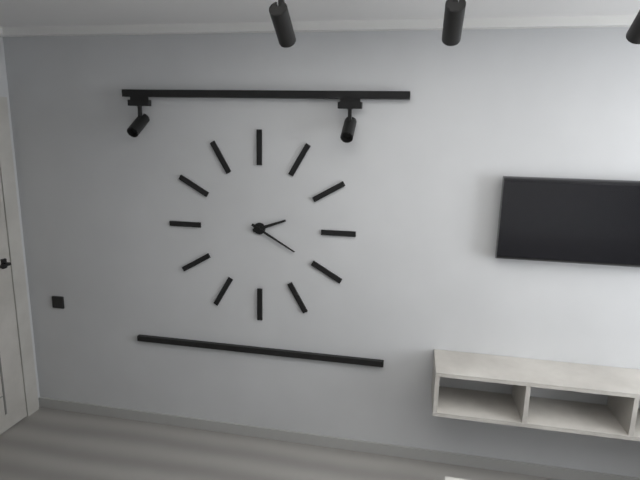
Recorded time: 2:20
